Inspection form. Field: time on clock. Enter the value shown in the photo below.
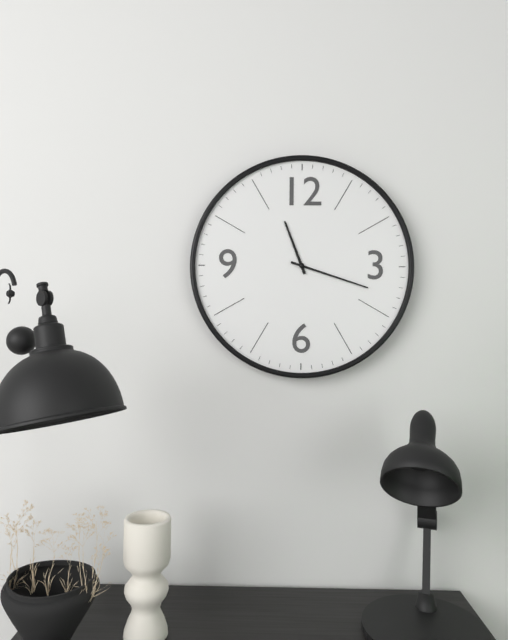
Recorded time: 11:18
